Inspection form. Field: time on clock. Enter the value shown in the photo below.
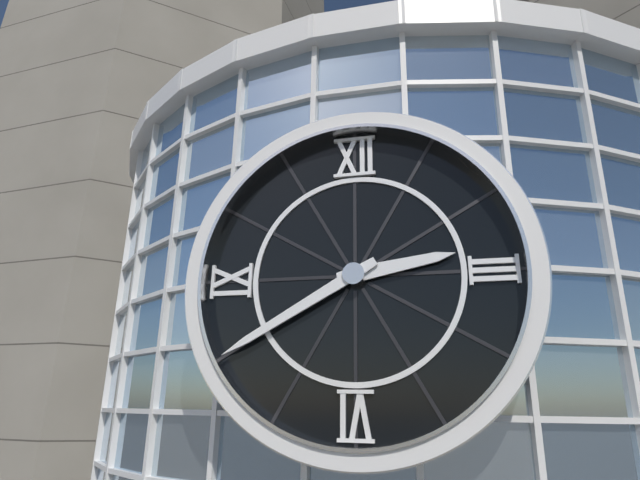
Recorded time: 2:40
